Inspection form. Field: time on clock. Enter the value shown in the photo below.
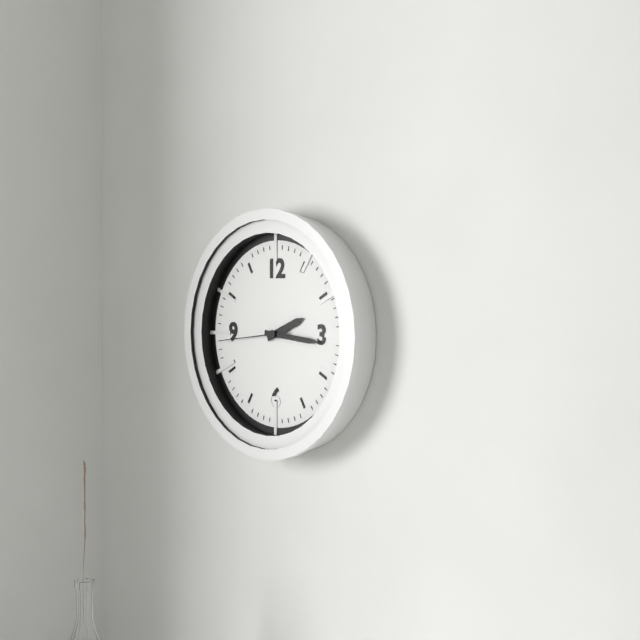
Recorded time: 2:16:44
